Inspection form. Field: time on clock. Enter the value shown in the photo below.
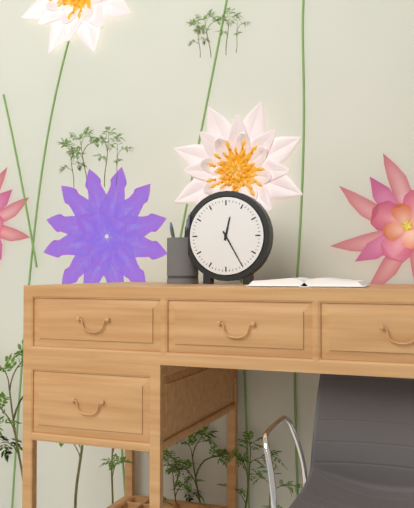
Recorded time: 12:25
